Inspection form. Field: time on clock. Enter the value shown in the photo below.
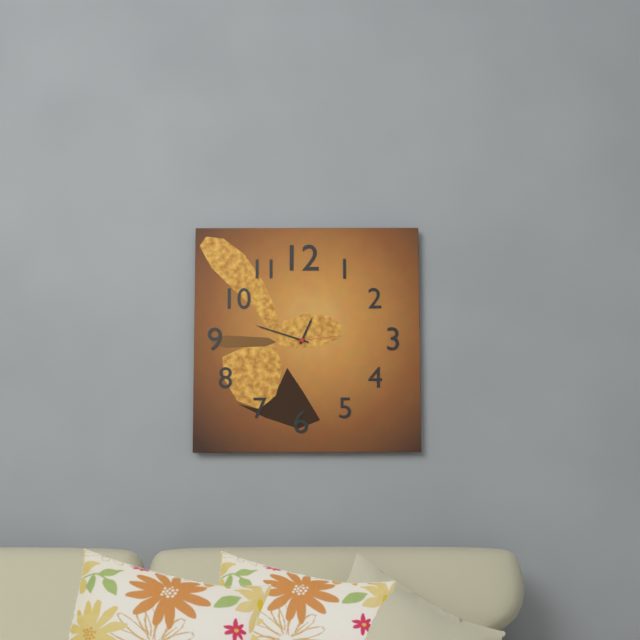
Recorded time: 12:48:14
